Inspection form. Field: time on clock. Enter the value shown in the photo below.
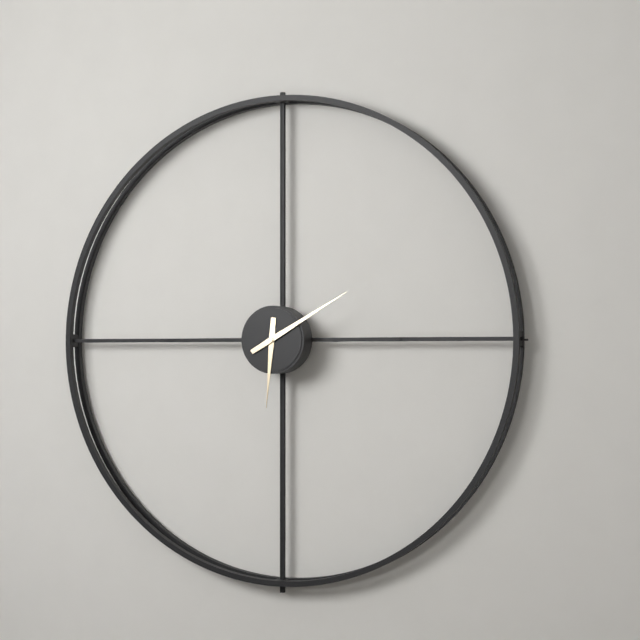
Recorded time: 6:10
